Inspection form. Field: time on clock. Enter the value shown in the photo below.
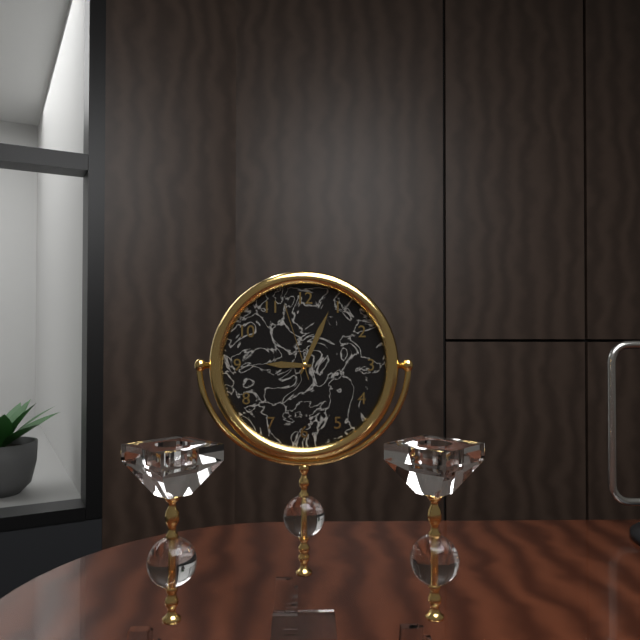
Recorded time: 9:04:57
